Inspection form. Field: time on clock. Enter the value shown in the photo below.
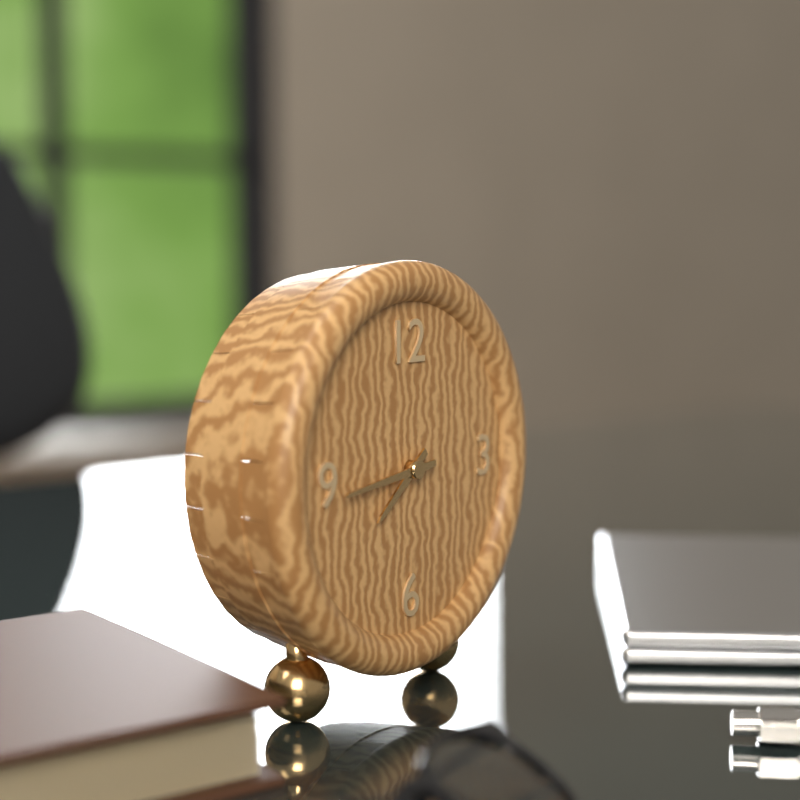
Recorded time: 7:44
